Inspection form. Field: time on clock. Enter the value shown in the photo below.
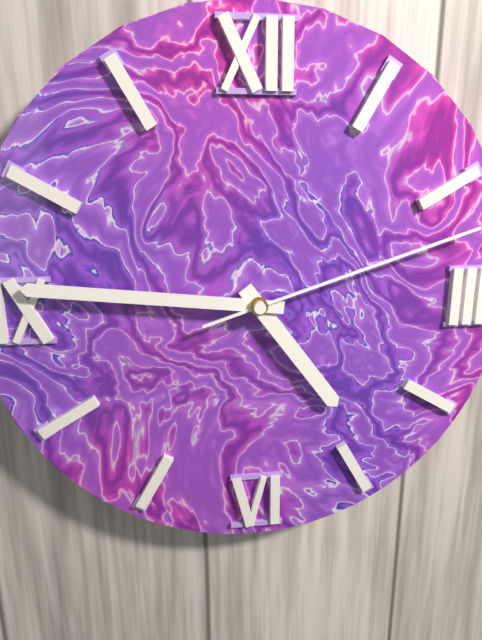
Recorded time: 4:46:12
